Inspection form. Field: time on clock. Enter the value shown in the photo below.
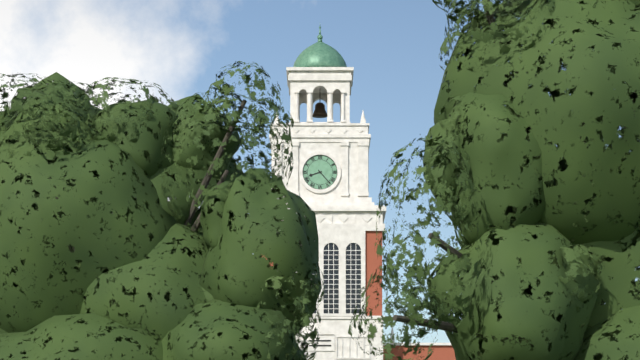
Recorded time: 8:23
